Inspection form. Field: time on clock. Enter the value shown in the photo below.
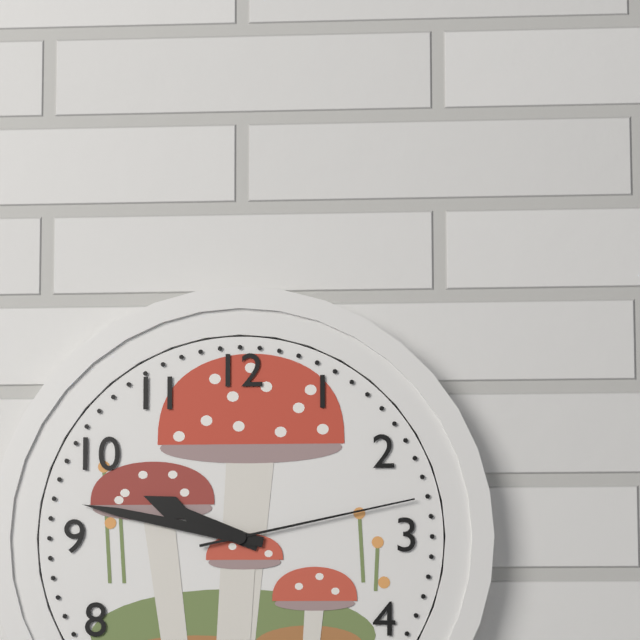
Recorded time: 9:47:13
